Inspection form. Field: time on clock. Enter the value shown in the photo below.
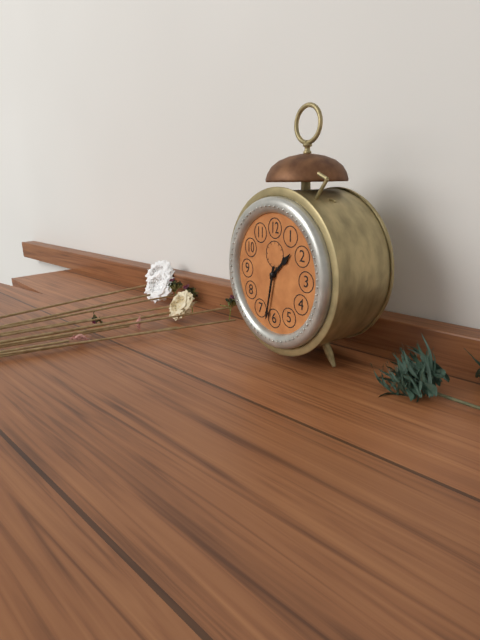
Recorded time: 1:32
